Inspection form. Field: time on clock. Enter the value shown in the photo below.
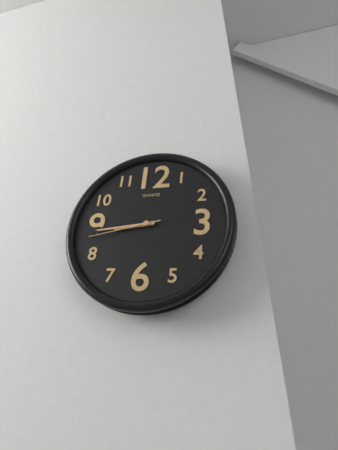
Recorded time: 8:44:43
